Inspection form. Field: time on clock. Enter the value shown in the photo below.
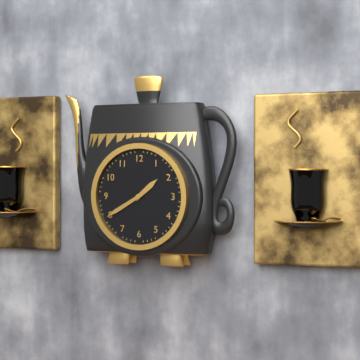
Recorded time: 1:40
